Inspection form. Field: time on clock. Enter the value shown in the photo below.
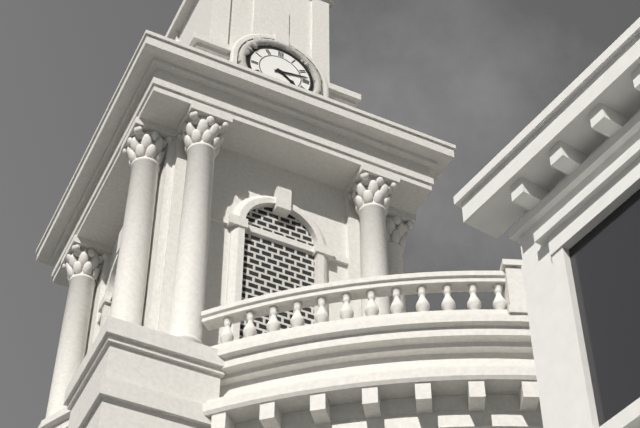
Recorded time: 4:13
